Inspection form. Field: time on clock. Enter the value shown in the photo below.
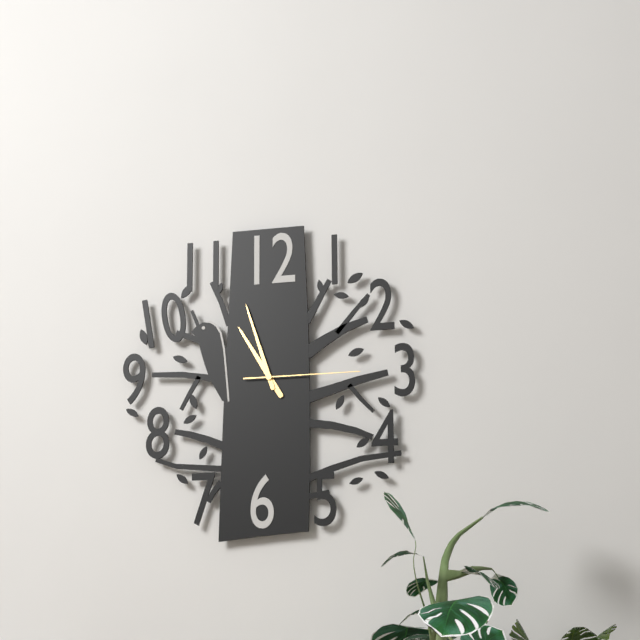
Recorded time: 10:57:15
